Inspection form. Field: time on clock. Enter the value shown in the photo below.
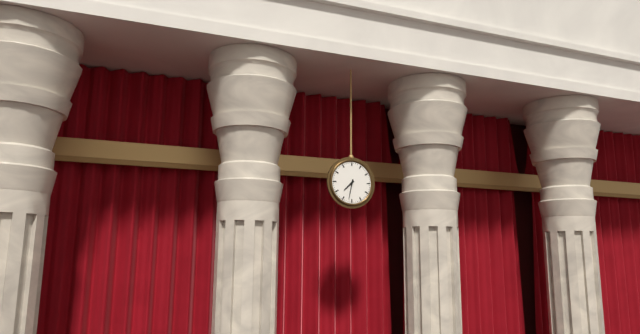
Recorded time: 7:32
